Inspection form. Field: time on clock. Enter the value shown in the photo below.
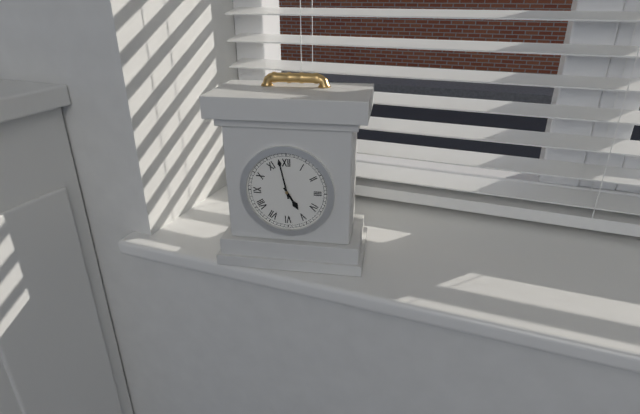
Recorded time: 4:58
